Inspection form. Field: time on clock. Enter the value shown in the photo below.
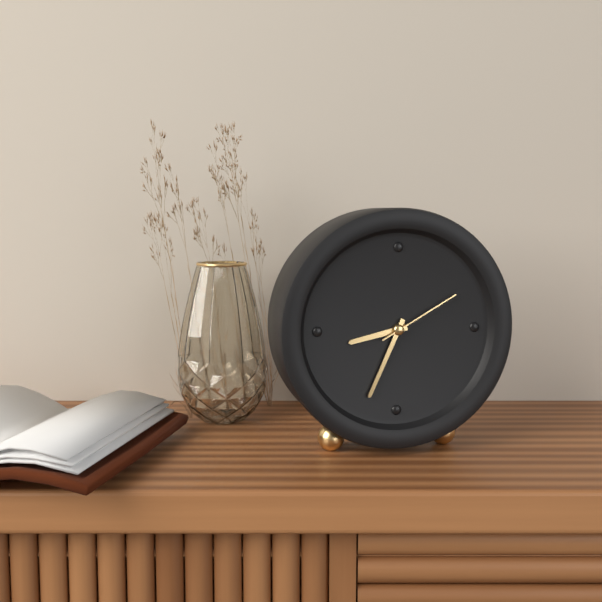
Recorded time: 8:34:10
